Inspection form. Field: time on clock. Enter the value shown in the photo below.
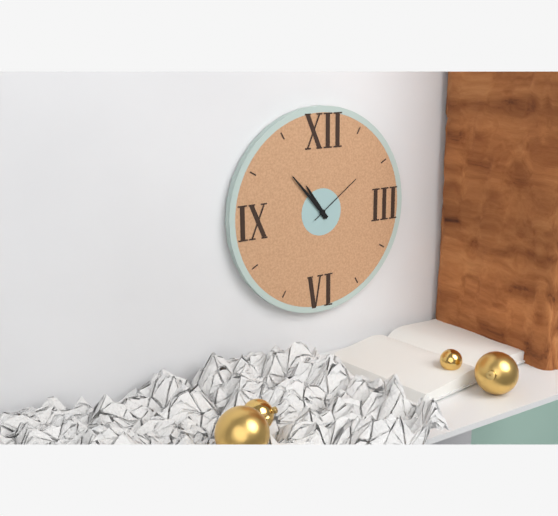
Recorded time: 10:53:09
